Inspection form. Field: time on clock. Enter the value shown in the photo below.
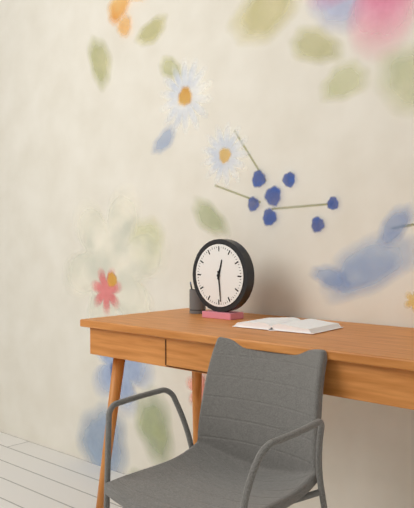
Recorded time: 12:29
